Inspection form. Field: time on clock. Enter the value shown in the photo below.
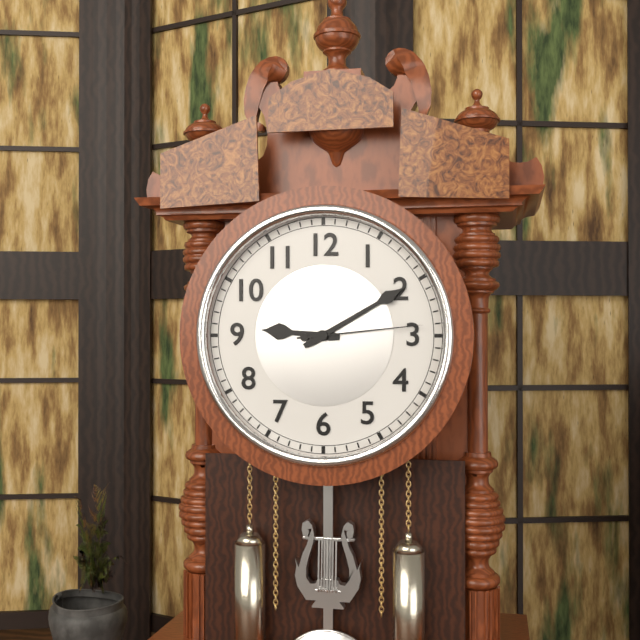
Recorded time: 9:10:14
